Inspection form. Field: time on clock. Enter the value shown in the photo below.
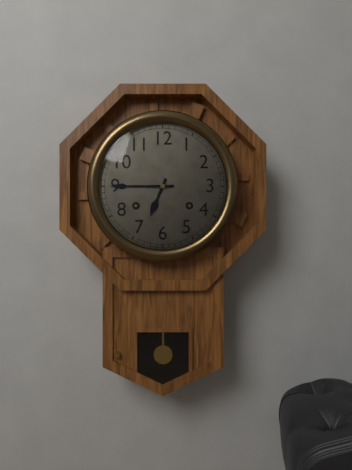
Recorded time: 6:45
